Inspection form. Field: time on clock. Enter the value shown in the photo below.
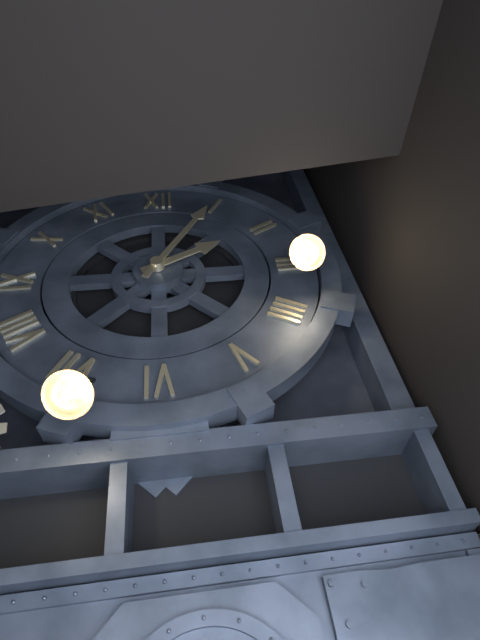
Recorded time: 2:05
